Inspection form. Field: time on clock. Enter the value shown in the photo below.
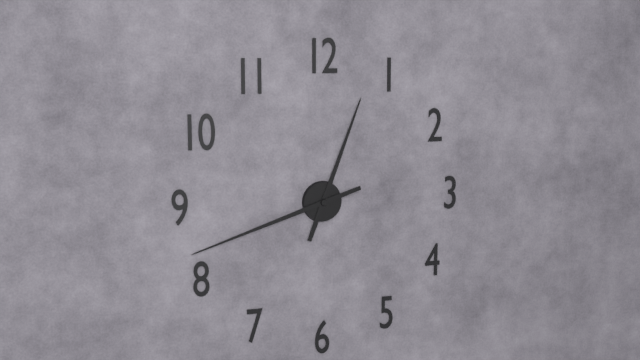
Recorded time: 12:42
